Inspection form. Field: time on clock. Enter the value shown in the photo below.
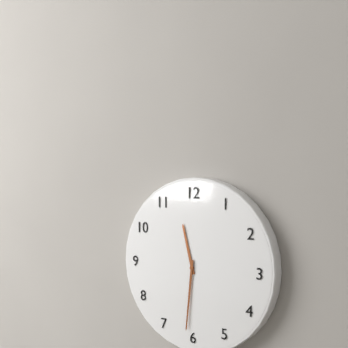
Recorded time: 11:31
